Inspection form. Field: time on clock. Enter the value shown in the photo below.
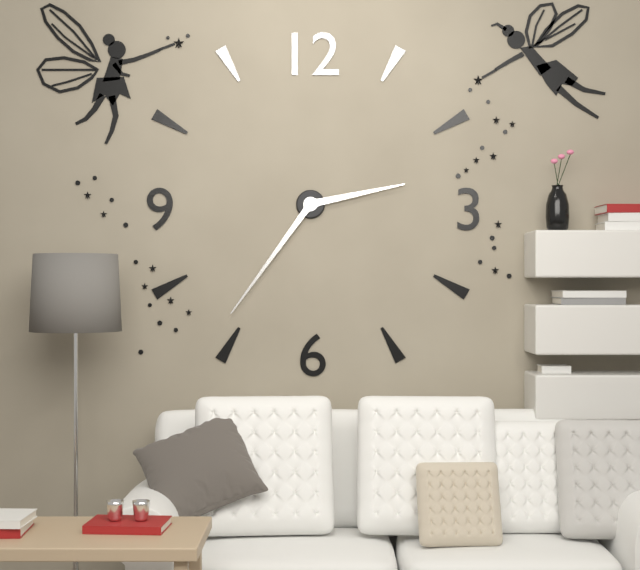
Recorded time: 2:36
